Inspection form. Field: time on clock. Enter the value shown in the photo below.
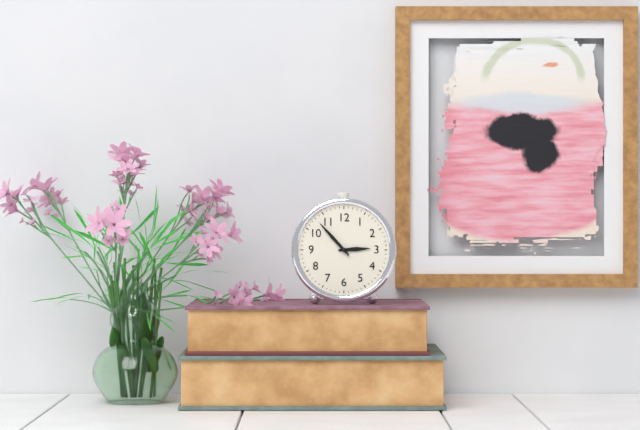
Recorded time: 2:53
